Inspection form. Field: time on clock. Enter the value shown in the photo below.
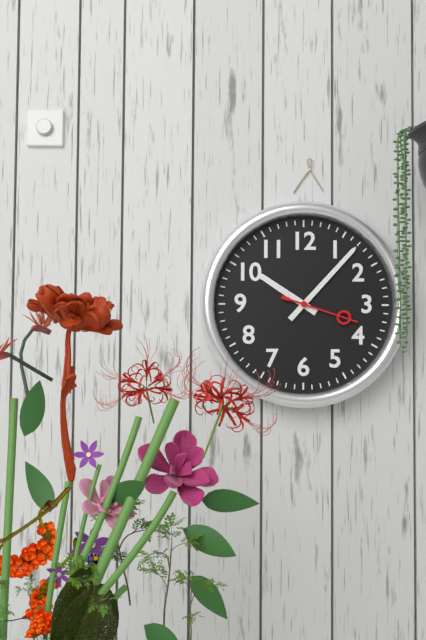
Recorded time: 10:07:18
